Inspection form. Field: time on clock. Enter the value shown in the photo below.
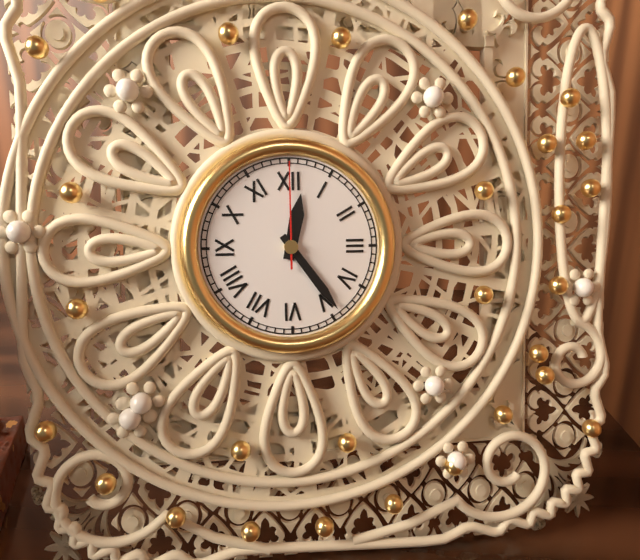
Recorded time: 12:24:00
